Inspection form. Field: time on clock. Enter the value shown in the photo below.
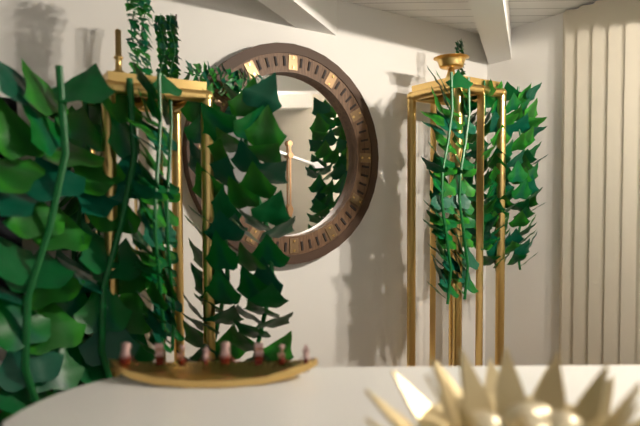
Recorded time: 3:30
